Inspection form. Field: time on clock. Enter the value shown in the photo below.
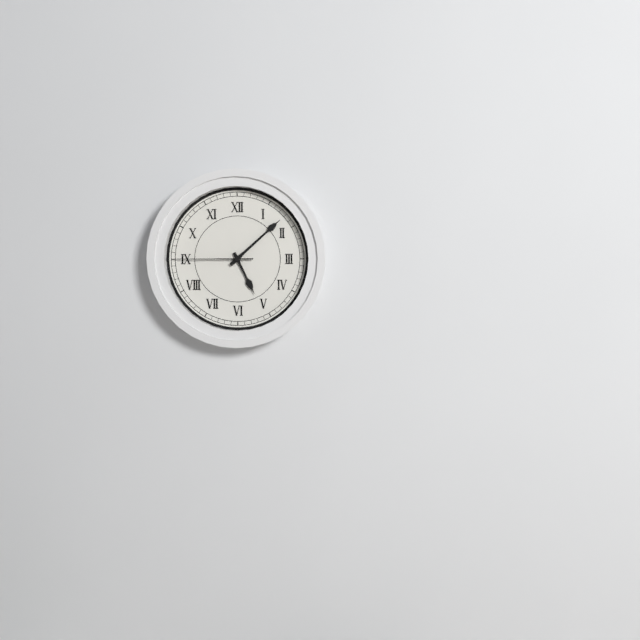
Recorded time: 5:08:45
